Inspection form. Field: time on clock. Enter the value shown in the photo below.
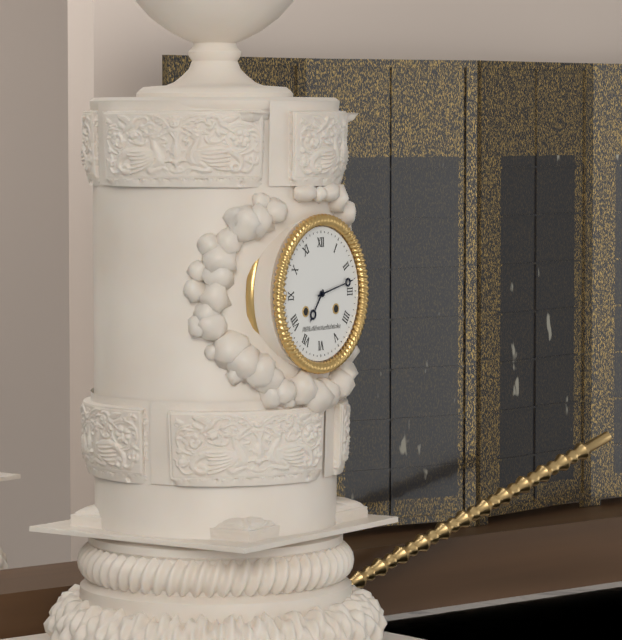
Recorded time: 7:13
